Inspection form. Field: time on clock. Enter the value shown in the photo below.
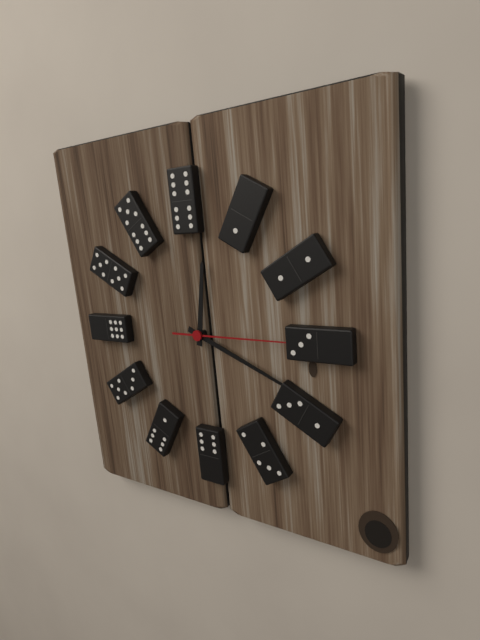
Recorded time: 12:19:15
